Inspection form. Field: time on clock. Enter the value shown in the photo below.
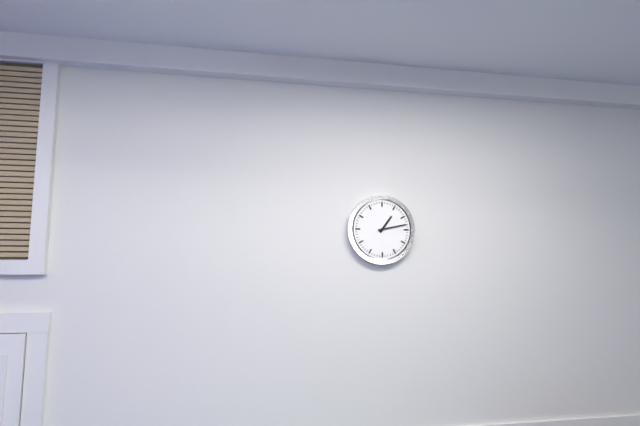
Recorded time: 1:13
